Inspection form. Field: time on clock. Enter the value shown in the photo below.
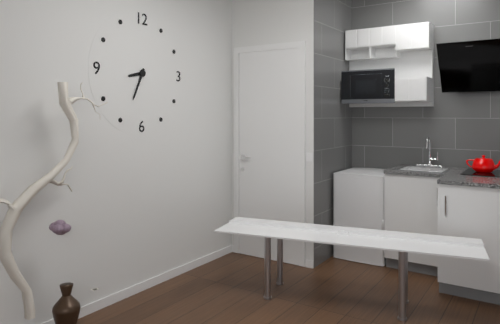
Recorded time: 8:34
